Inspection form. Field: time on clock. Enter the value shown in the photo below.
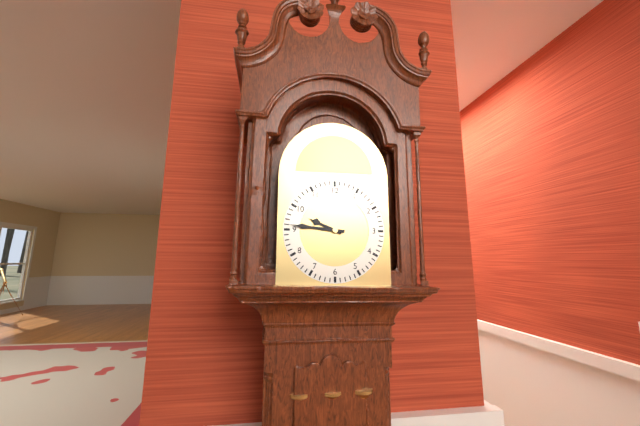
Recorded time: 9:46
